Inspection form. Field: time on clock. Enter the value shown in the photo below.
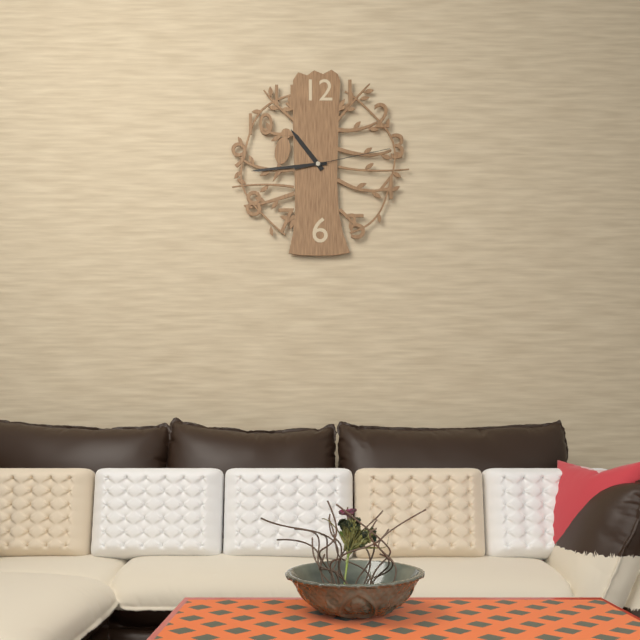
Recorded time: 10:44:13
